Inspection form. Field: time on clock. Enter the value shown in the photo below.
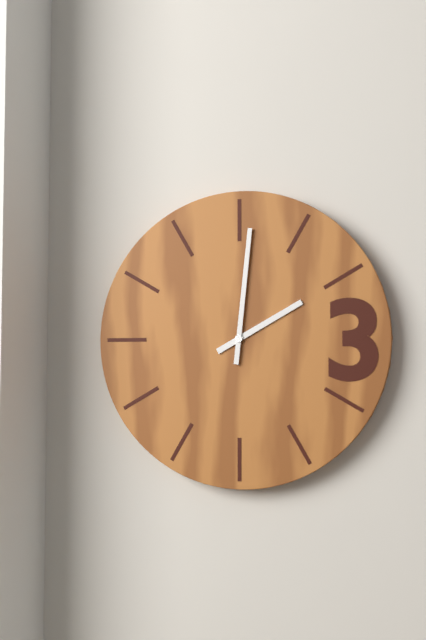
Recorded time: 2:01
